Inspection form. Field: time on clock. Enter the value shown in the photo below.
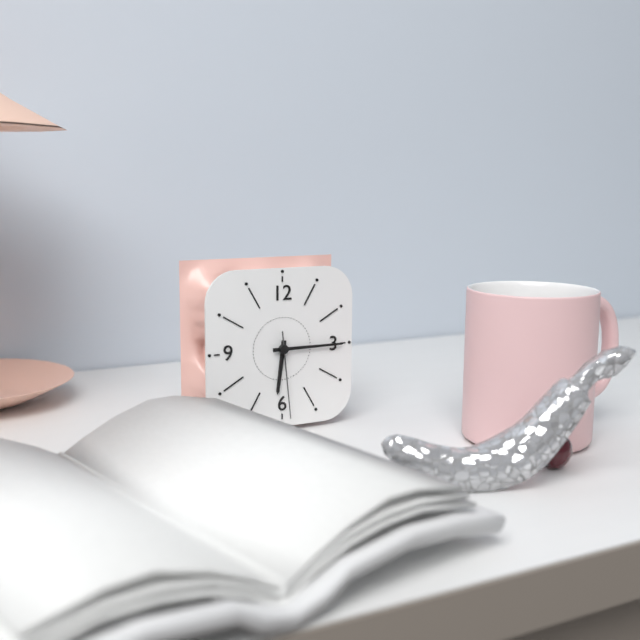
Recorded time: 6:15:29
